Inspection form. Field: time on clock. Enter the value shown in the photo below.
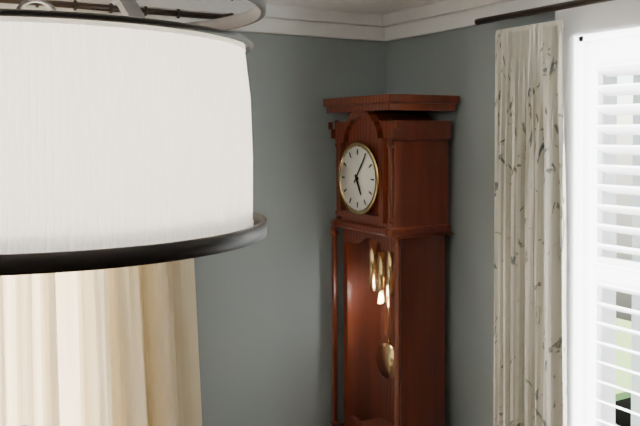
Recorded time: 5:06
